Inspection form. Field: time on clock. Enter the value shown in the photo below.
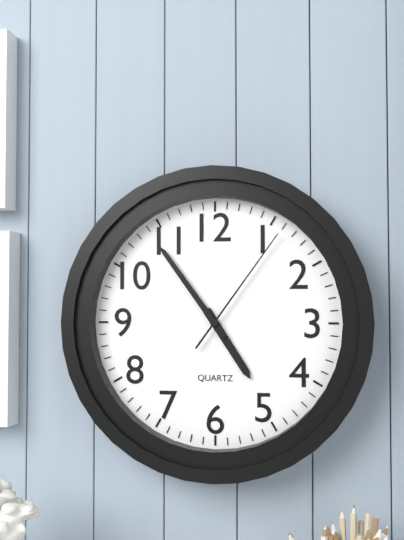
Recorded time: 4:54:06
